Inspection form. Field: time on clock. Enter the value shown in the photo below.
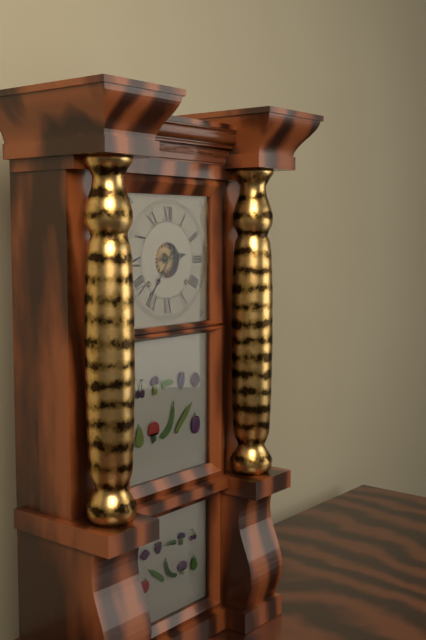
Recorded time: 2:36
